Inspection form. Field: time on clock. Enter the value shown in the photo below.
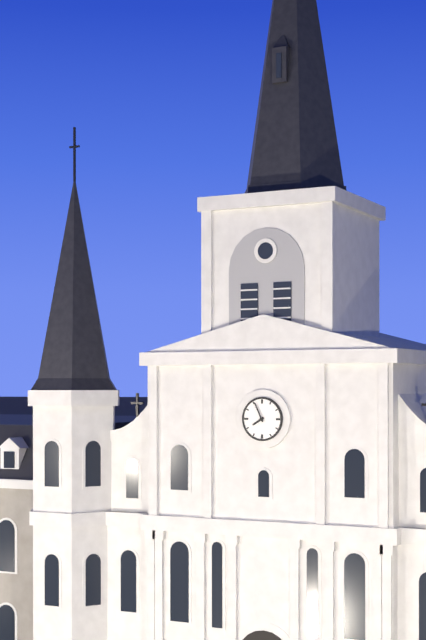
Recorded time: 7:56
